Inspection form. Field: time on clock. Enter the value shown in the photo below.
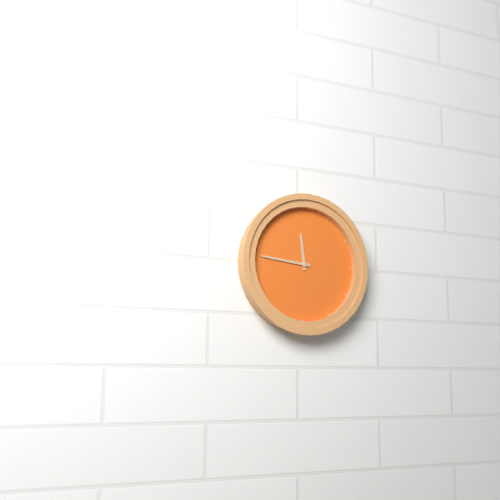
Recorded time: 11:46
